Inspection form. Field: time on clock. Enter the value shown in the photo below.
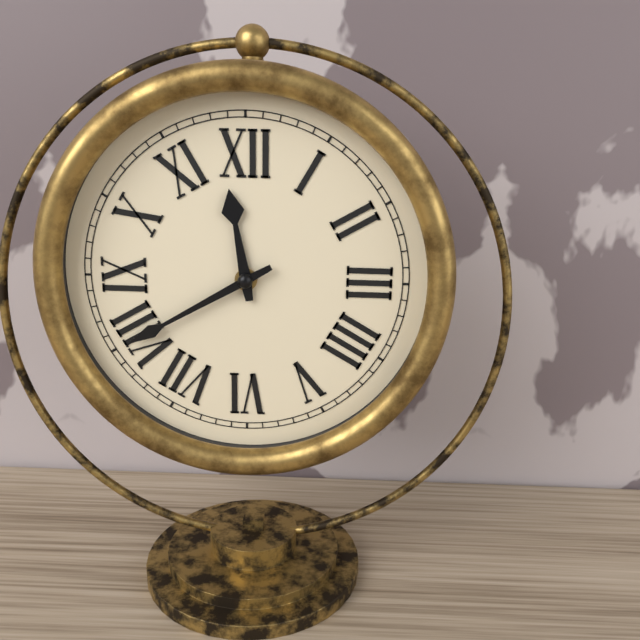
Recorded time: 11:40
